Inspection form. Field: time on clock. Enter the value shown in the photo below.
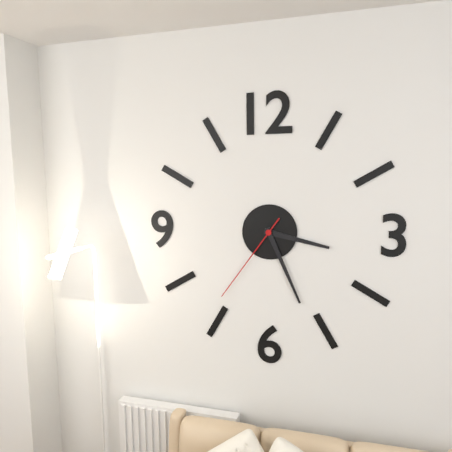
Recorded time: 3:26:36
